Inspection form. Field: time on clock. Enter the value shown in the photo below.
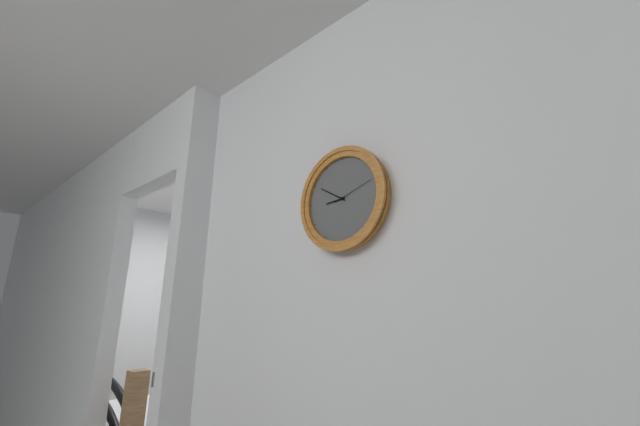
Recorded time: 8:50
